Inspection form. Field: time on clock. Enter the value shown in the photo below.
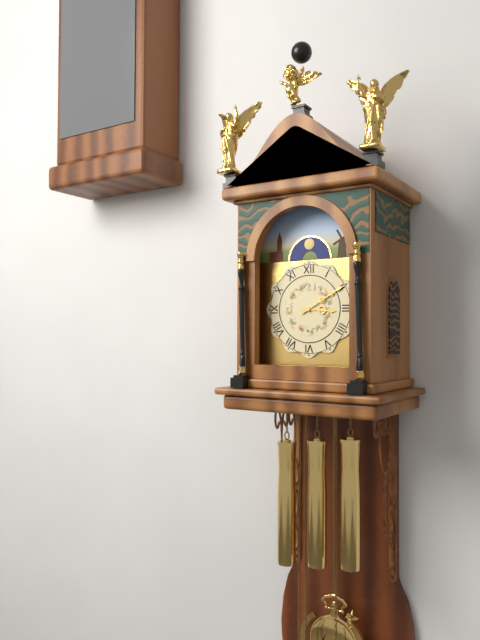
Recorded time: 3:10
